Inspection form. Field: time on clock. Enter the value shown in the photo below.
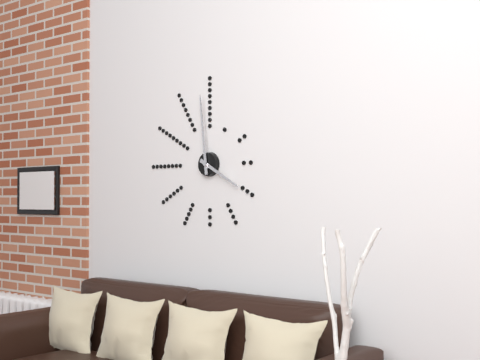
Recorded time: 3:59
